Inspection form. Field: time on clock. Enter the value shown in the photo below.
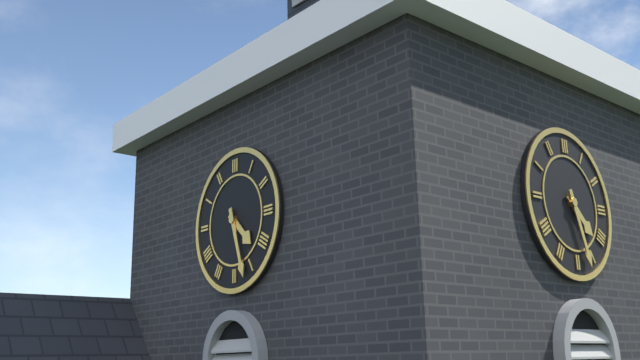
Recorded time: 4:27
